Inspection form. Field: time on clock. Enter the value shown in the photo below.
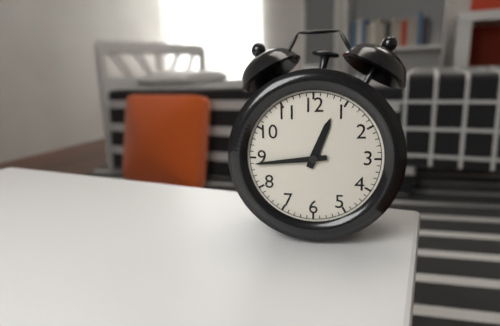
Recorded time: 12:44
